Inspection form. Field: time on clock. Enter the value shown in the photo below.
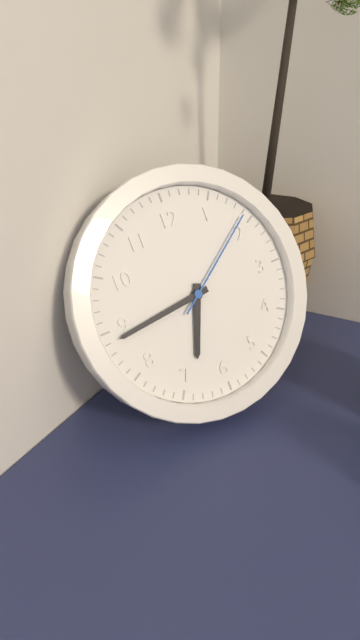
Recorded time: 6:44:09
